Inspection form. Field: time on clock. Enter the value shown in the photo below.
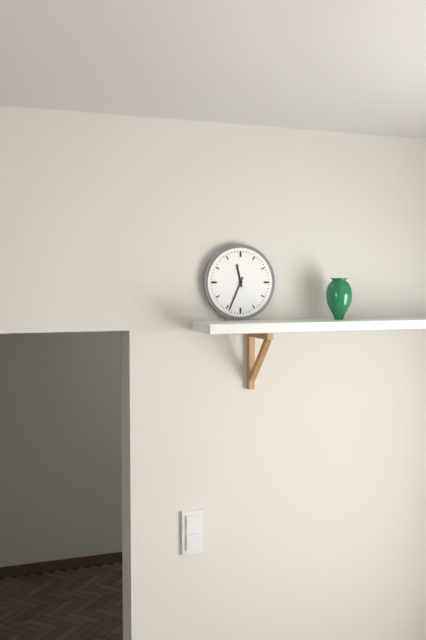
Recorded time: 11:34
